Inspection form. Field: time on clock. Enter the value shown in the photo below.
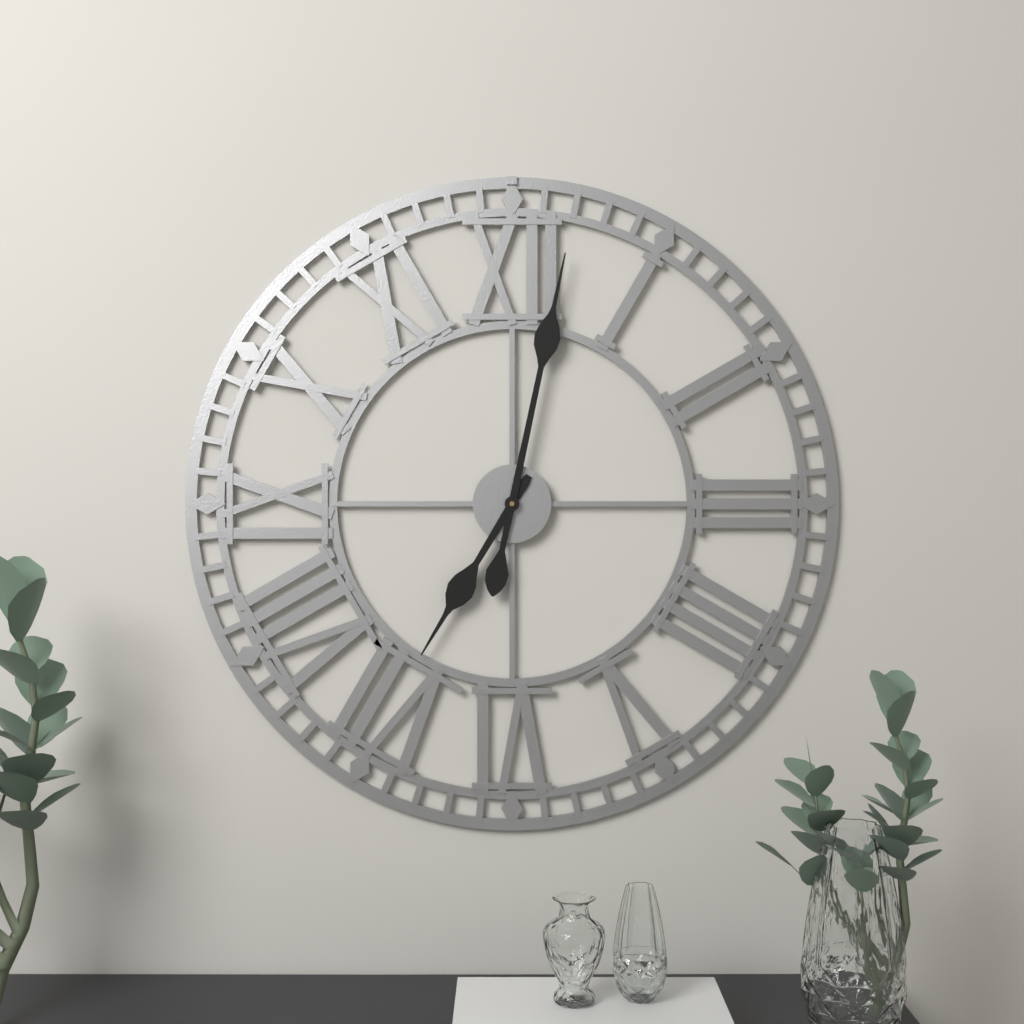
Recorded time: 7:02
